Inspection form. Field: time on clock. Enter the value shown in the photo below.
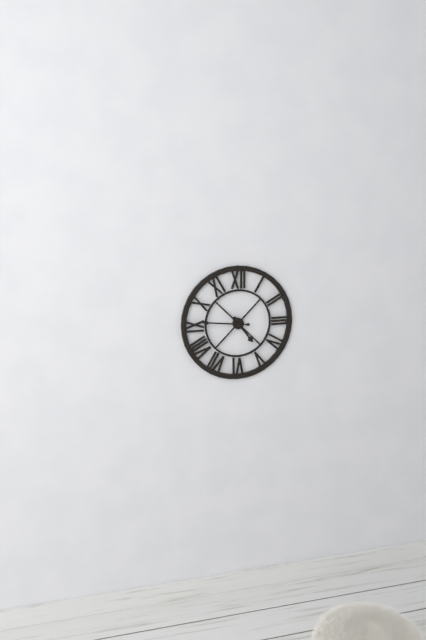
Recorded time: 4:46
